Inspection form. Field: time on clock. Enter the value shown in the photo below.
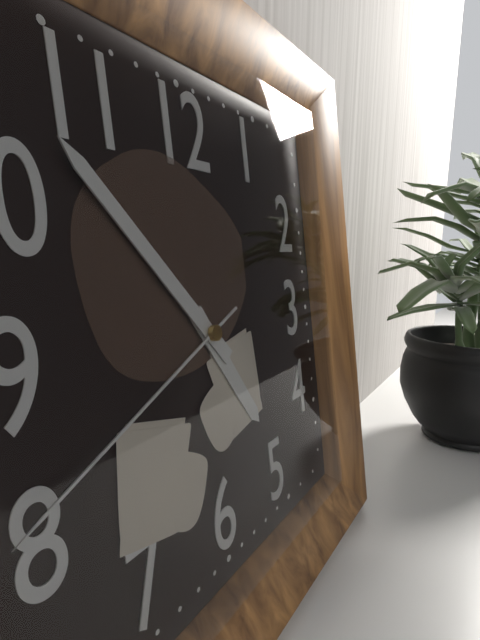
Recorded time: 4:53:41
